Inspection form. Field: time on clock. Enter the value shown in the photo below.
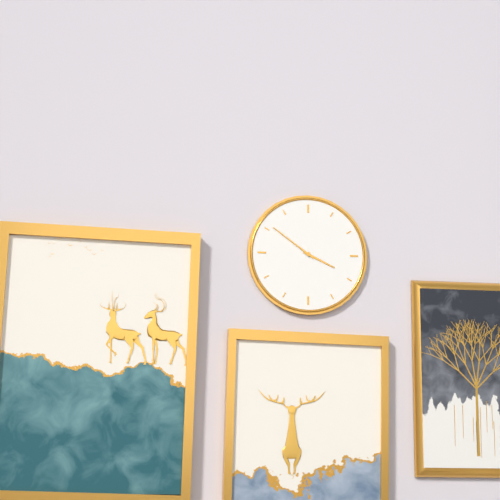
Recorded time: 3:51
